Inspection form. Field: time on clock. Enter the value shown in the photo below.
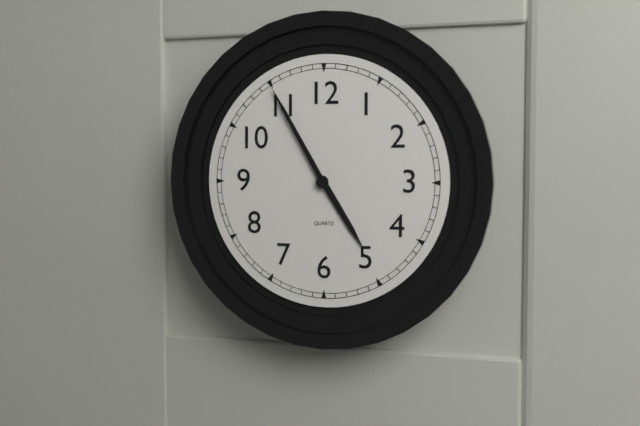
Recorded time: 4:55
